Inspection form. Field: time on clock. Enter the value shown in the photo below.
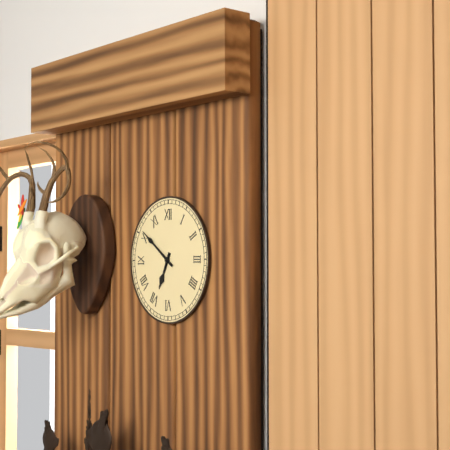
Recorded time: 6:51
